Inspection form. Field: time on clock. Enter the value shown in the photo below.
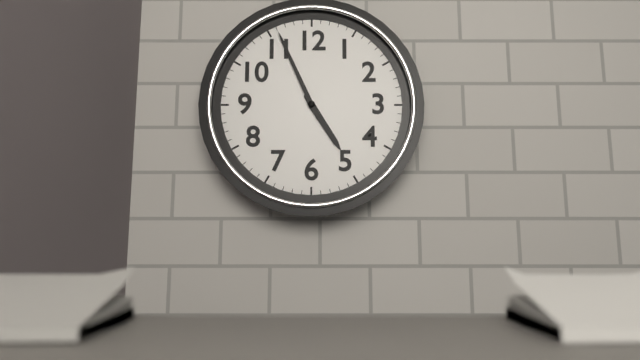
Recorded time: 4:56
